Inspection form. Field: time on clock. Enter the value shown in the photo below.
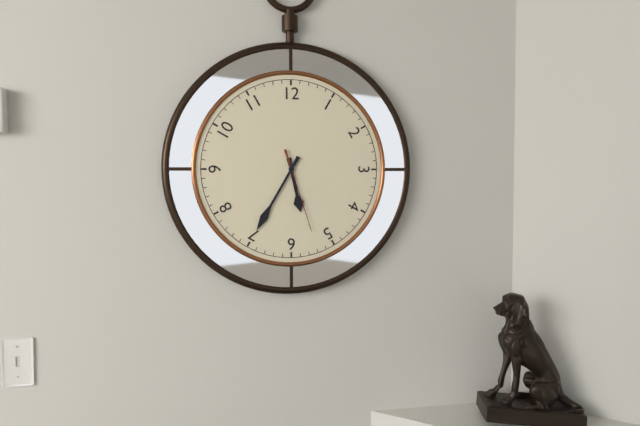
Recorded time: 5:35:27
